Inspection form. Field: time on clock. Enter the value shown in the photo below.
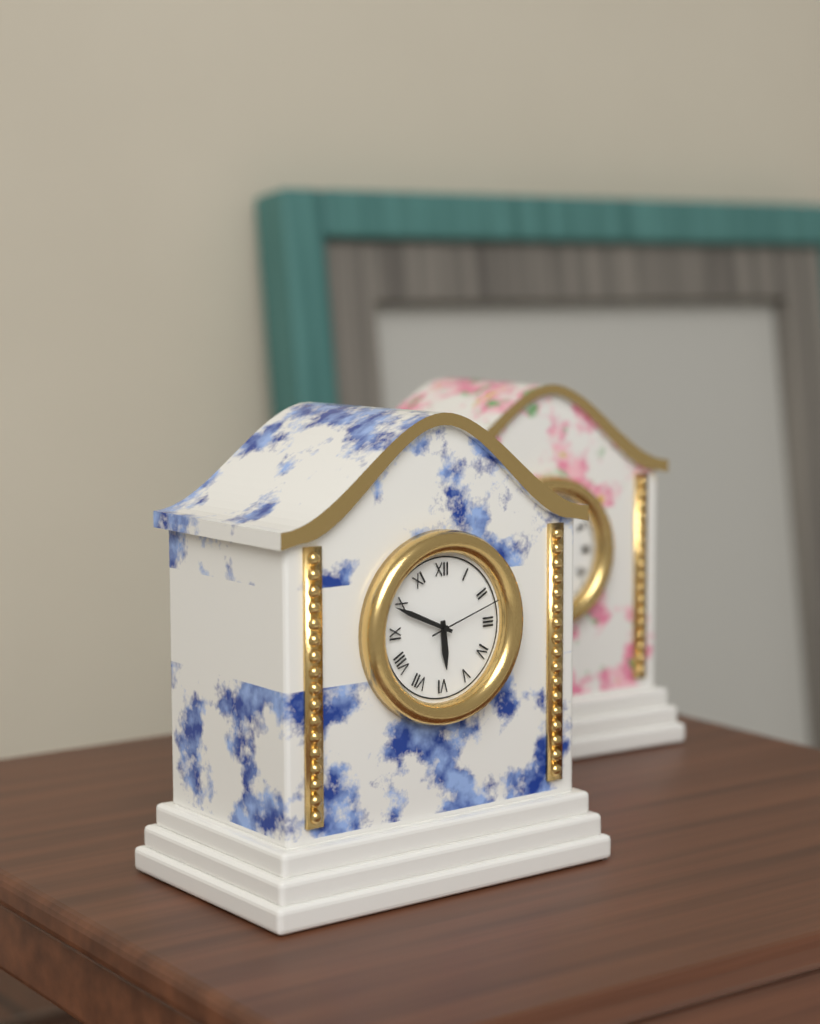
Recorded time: 5:49:12
